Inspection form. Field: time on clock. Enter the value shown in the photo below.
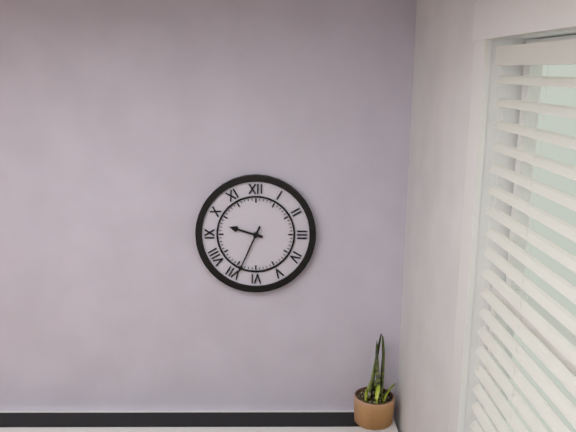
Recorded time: 9:34
